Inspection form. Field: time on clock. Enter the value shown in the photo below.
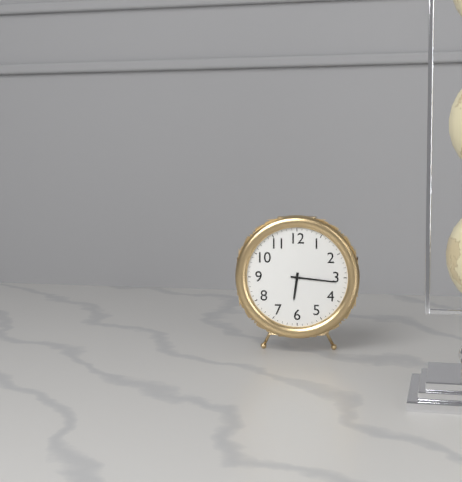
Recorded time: 6:16
